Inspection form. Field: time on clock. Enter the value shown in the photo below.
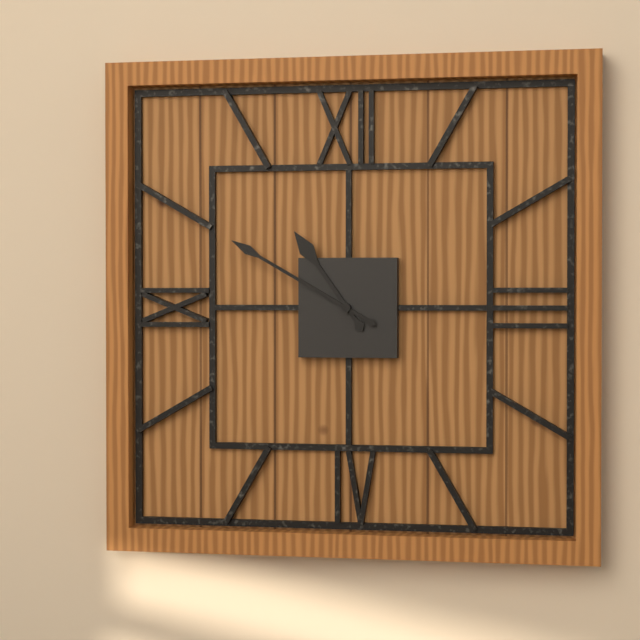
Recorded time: 10:50
